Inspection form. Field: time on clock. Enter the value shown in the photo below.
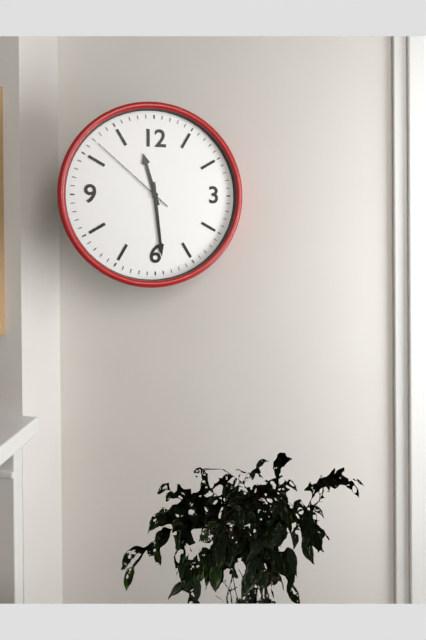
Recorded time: 11:29:52
